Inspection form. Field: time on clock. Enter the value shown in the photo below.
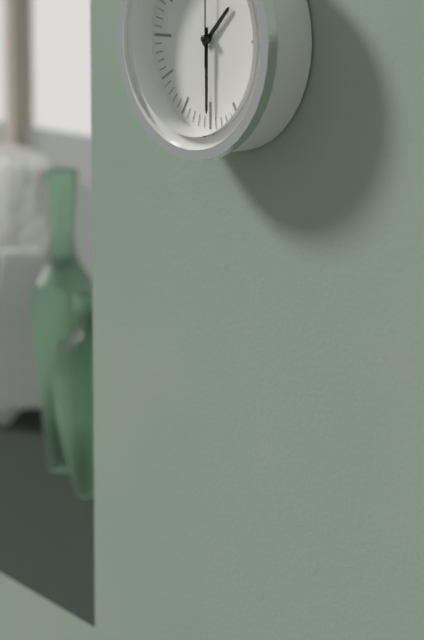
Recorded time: 1:30
